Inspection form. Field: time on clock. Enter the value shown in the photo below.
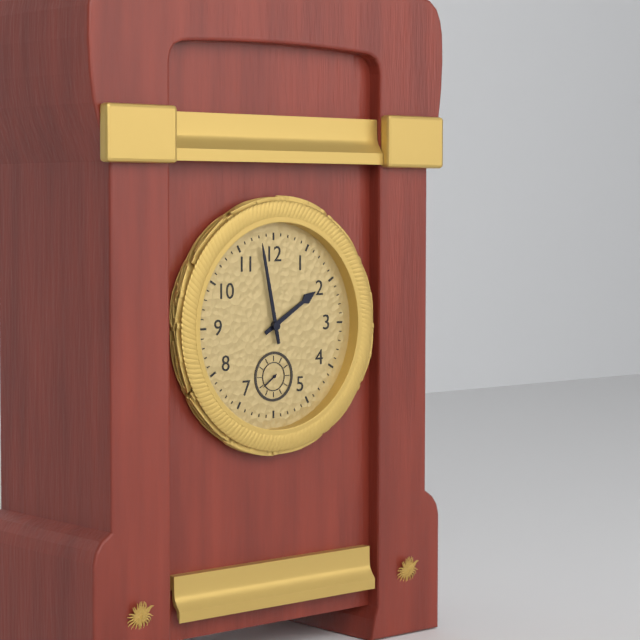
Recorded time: 1:58
